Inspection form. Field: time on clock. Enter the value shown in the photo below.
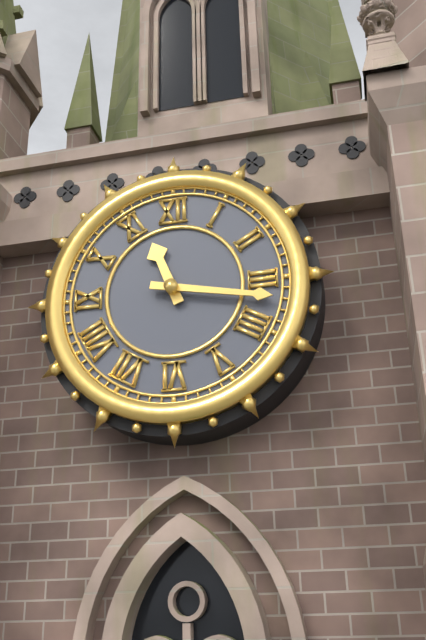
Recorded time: 11:17
